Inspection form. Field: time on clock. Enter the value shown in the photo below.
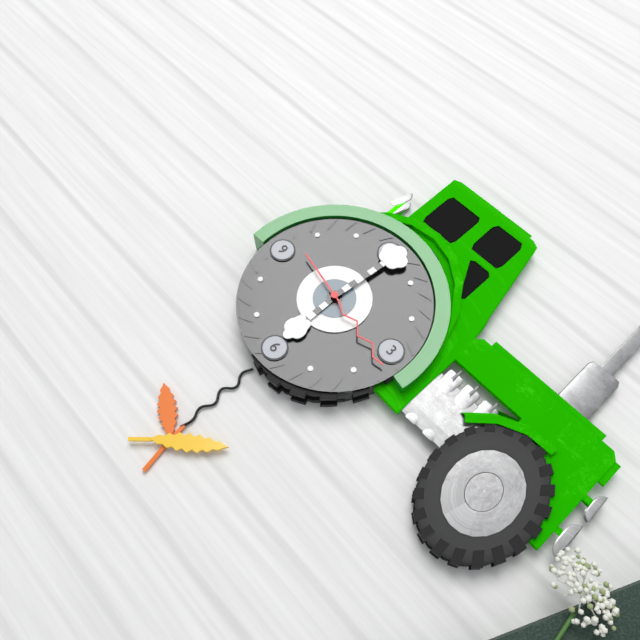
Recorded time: 6:01:17
